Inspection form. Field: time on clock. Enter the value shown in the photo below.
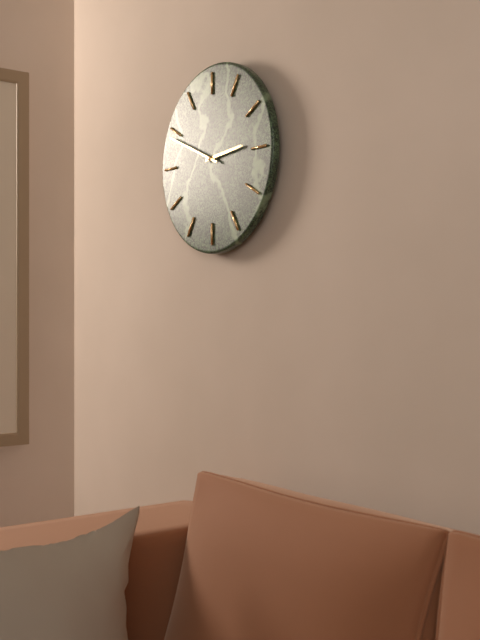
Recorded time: 2:49
